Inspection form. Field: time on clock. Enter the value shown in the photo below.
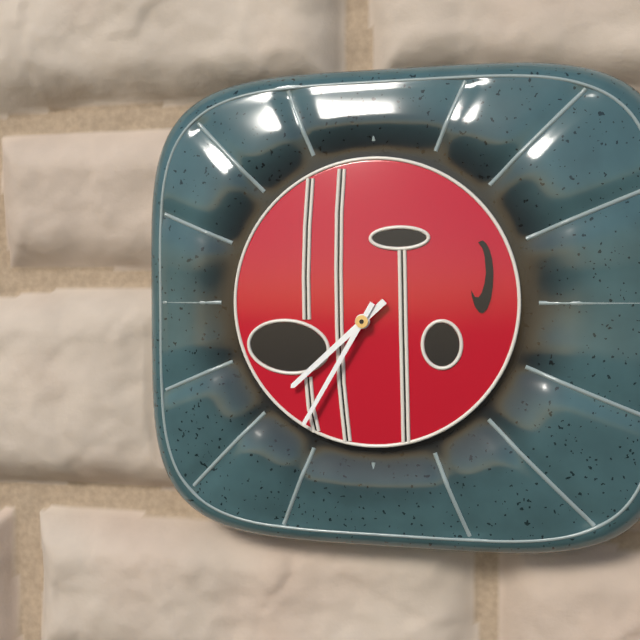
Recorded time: 7:35
